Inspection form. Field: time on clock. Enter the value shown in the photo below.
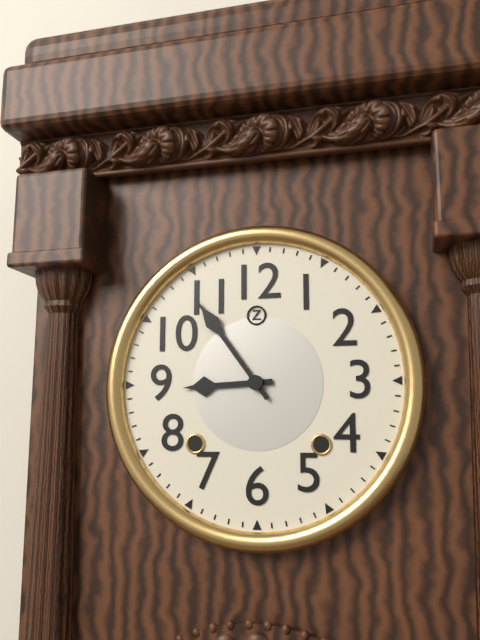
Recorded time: 8:54
